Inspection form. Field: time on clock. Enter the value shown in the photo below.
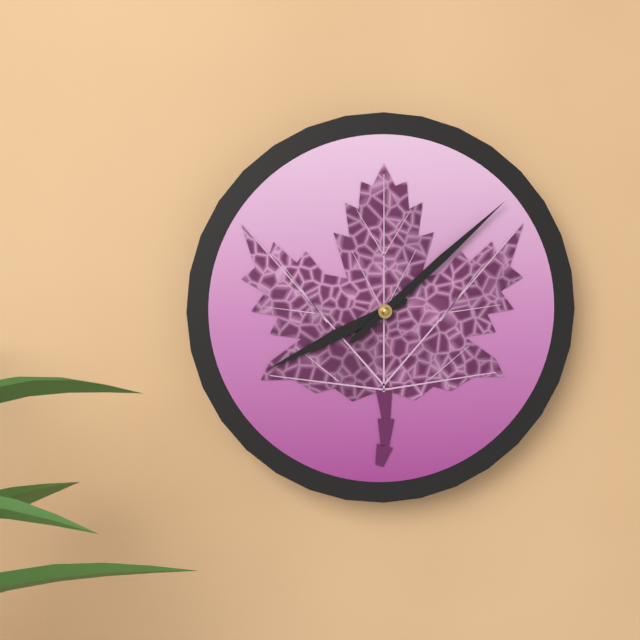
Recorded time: 8:08
